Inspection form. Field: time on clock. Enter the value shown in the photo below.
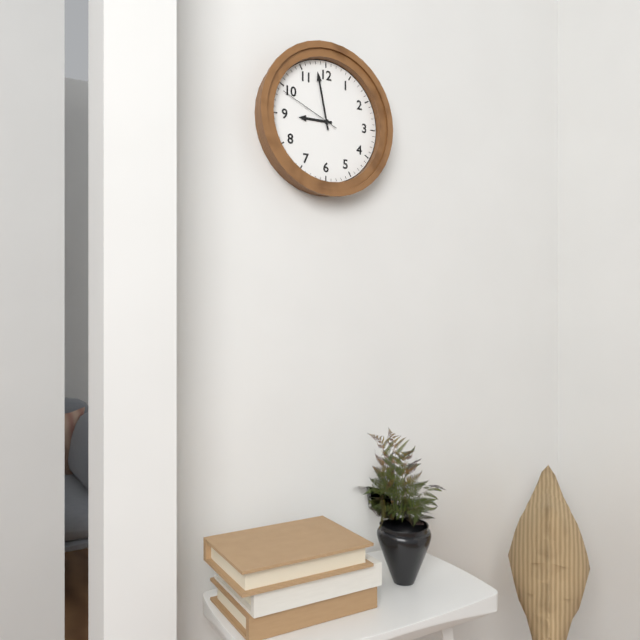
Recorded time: 8:58:49
